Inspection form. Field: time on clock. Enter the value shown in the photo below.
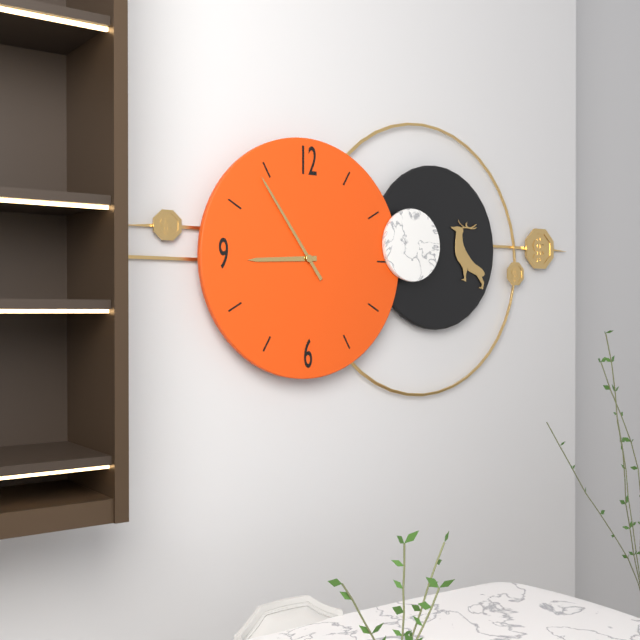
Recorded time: 8:54
